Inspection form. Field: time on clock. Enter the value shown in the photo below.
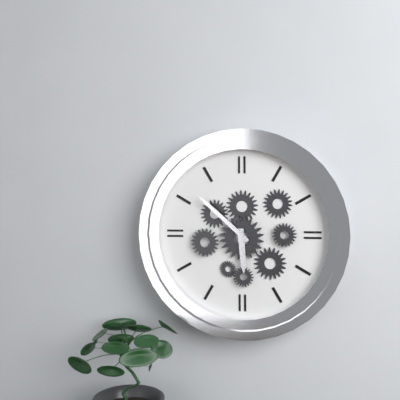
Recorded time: 5:52
